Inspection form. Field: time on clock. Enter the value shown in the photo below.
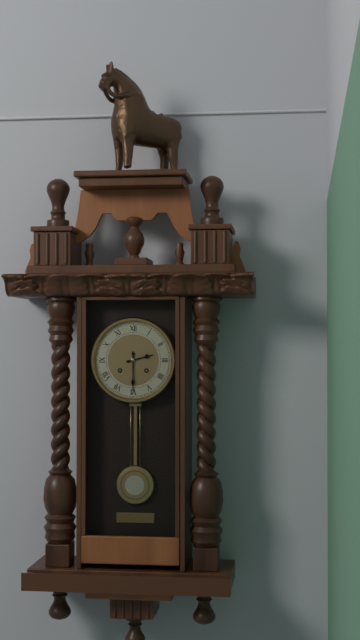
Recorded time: 2:30
